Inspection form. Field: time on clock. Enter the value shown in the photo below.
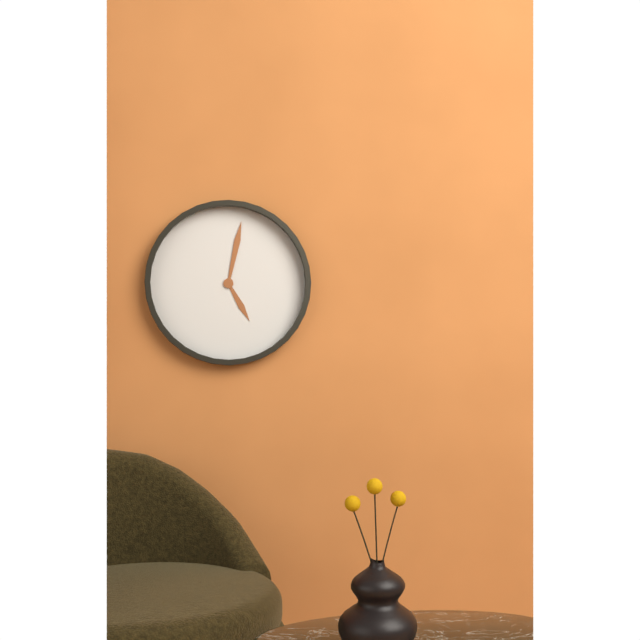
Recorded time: 5:02
